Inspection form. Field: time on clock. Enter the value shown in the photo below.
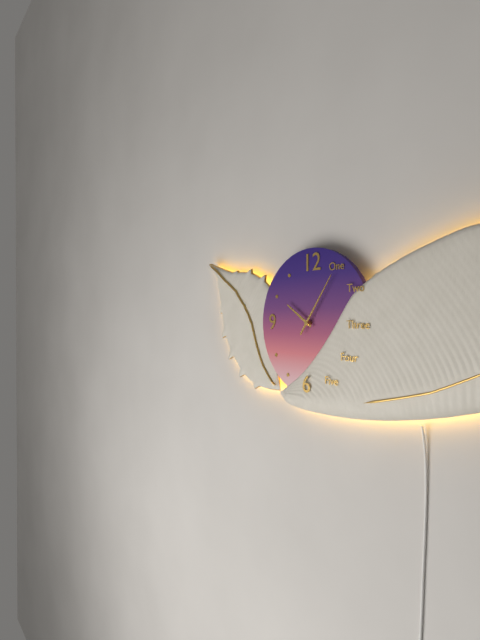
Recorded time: 10:06
